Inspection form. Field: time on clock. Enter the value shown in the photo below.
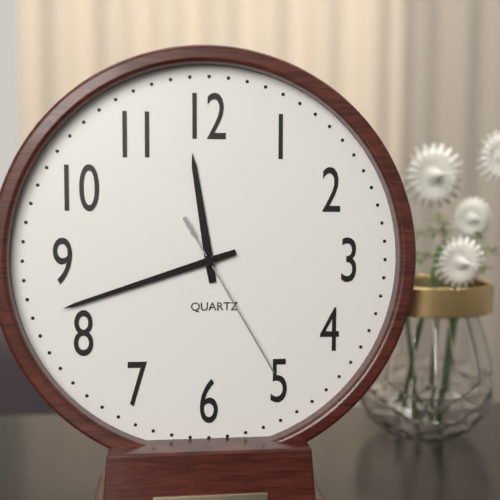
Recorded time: 11:42:25
